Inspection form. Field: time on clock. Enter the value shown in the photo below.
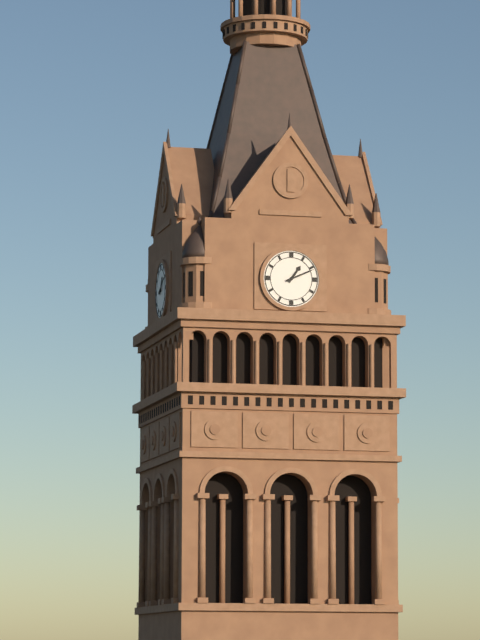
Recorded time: 1:11
